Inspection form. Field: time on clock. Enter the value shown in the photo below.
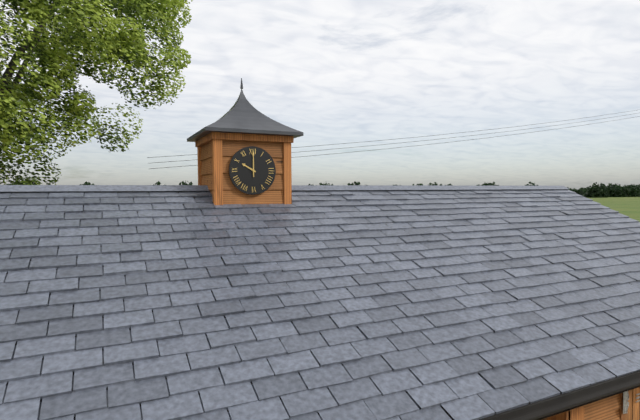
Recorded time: 10:00
